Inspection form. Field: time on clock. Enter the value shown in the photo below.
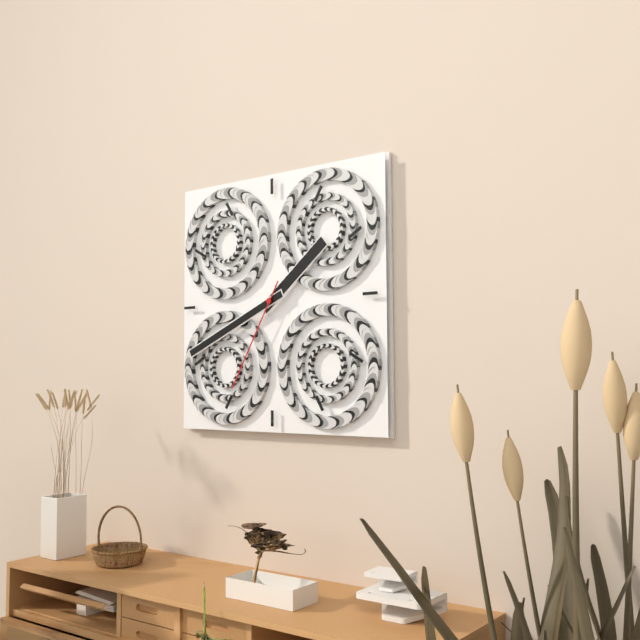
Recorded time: 1:41:35
